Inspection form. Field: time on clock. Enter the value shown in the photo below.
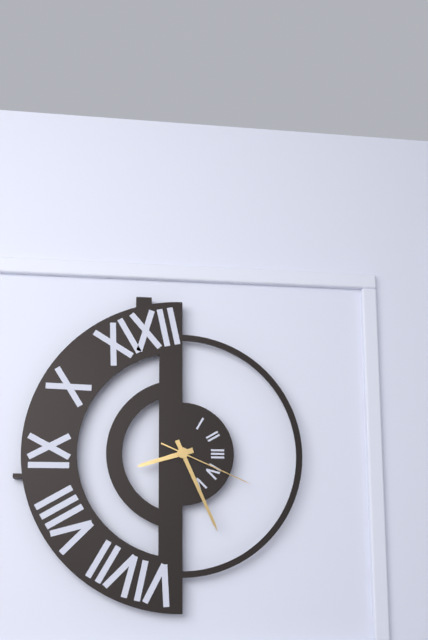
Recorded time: 8:26:19
